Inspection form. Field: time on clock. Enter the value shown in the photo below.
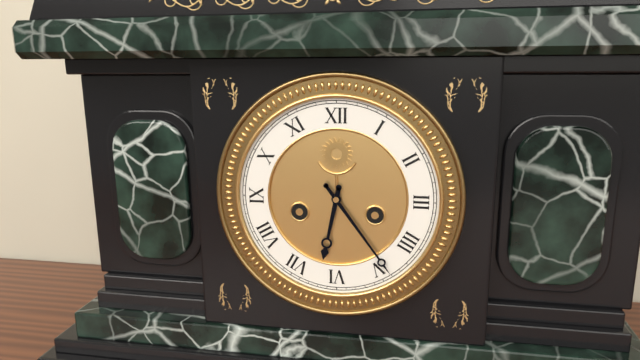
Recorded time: 6:24
